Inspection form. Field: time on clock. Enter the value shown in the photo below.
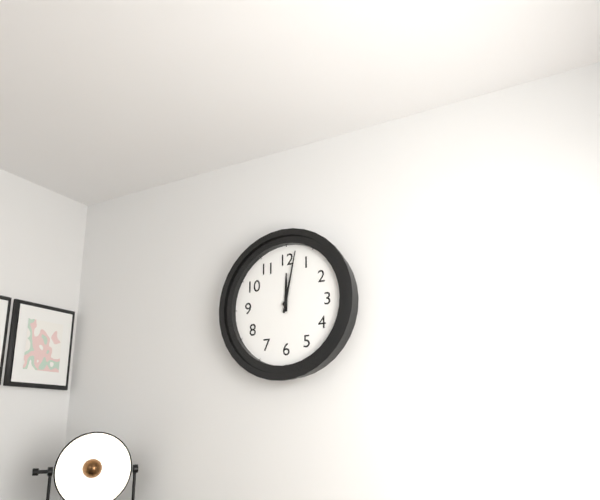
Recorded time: 12:02
